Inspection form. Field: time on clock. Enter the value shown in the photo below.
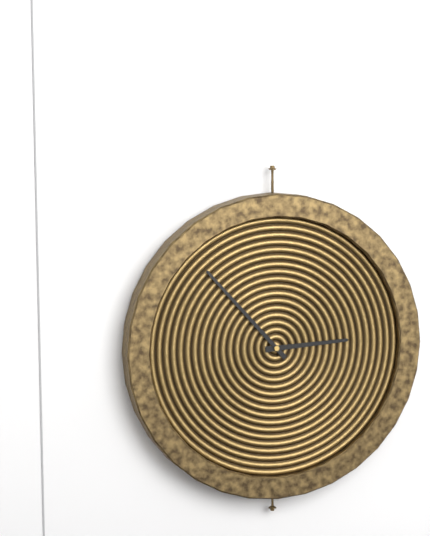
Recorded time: 2:53
